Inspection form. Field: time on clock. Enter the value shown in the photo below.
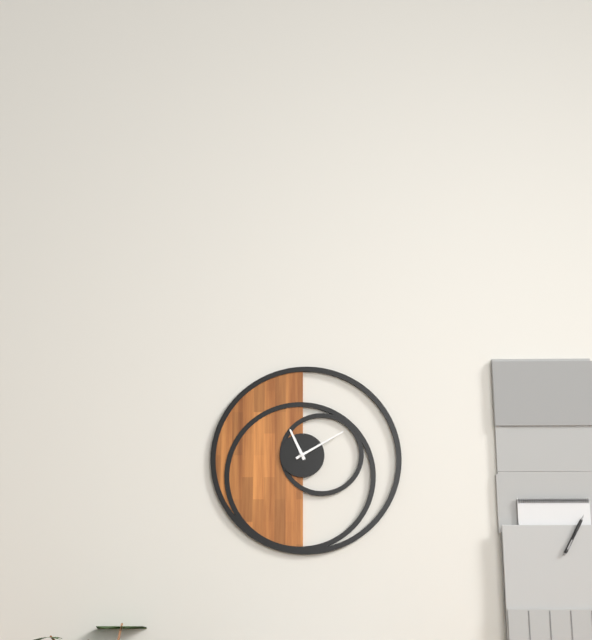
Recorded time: 11:10
